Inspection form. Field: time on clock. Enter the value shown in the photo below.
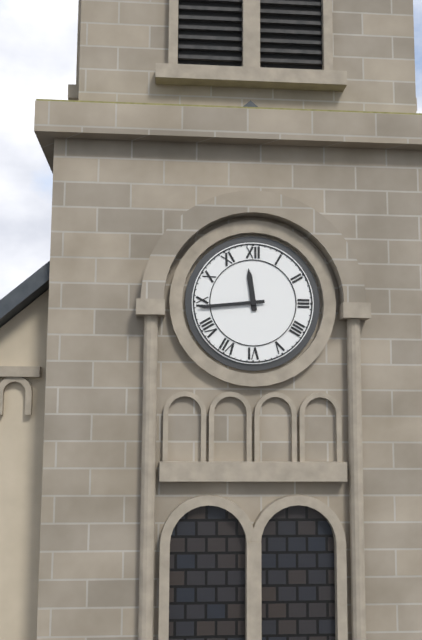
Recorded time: 11:44
